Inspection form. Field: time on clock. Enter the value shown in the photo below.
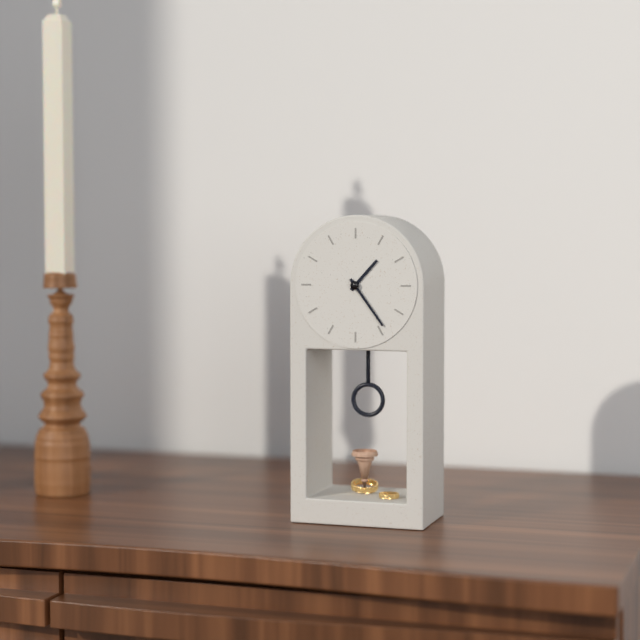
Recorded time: 1:24
